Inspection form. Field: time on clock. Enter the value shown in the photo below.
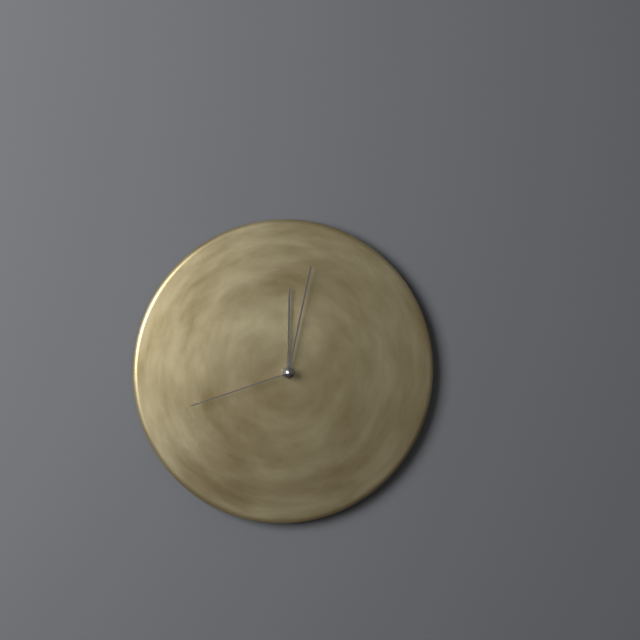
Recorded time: 12:02:42
